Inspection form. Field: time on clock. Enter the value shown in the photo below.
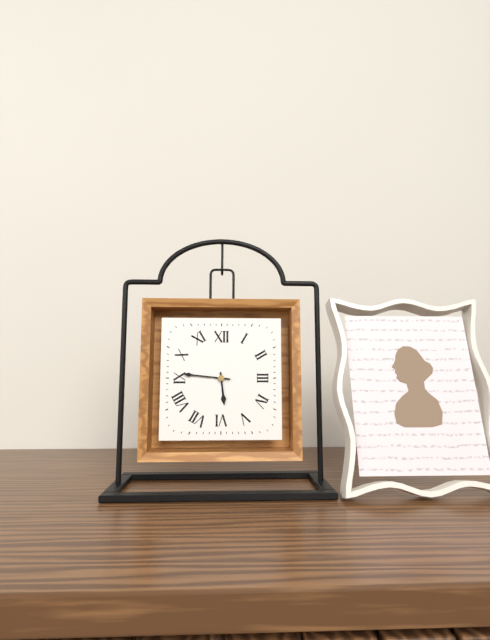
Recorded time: 5:46
